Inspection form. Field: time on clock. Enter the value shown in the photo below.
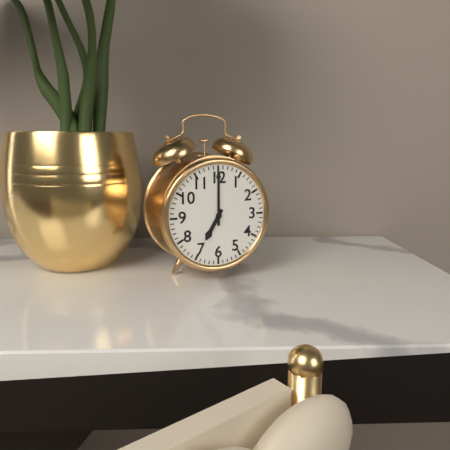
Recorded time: 7:00
